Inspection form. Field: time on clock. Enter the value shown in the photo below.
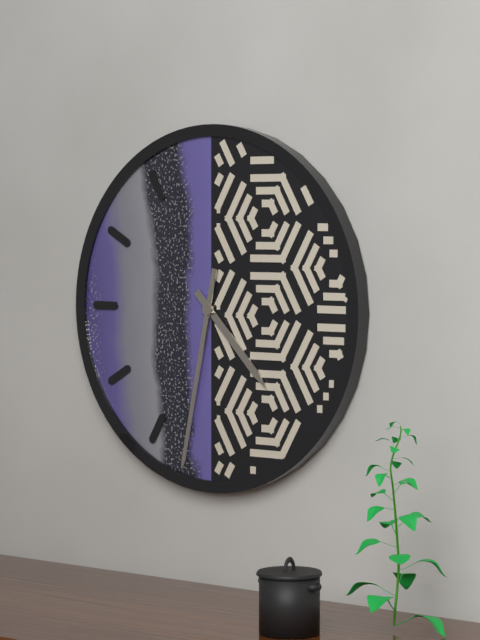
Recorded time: 4:32
